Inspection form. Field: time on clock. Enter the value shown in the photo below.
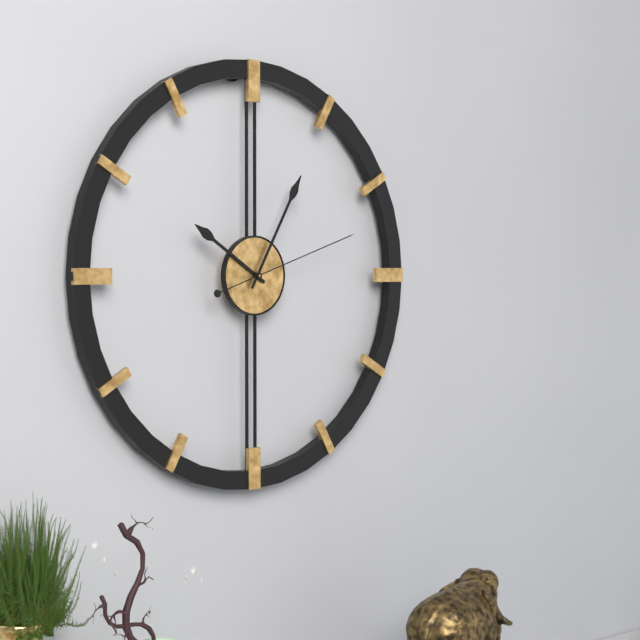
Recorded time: 10:05:12
